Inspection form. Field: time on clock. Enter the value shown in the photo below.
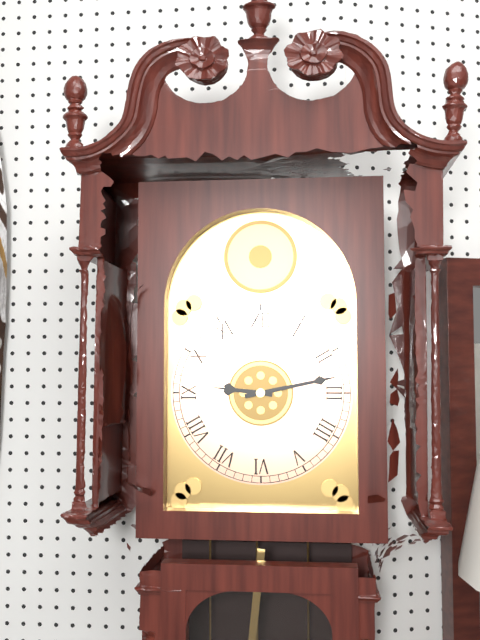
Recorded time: 9:13
